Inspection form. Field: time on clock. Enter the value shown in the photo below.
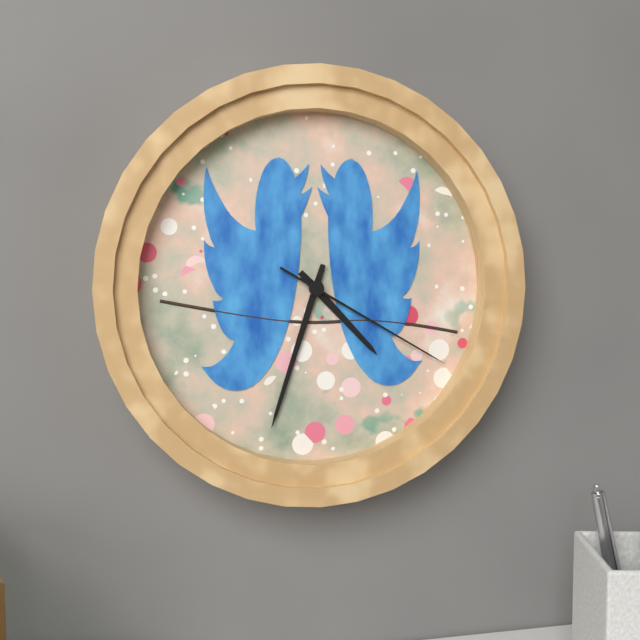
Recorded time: 4:33:20
